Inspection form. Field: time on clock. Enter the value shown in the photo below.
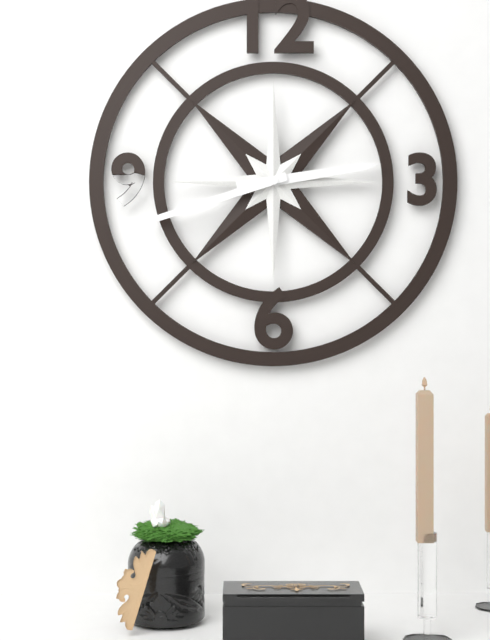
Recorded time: 2:42
